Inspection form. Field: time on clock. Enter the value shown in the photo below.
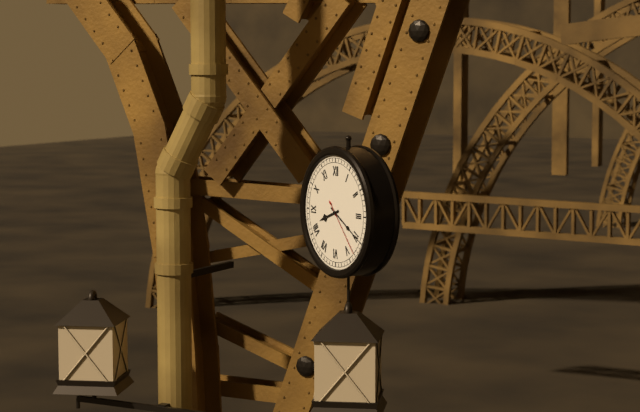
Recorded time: 8:20:23
